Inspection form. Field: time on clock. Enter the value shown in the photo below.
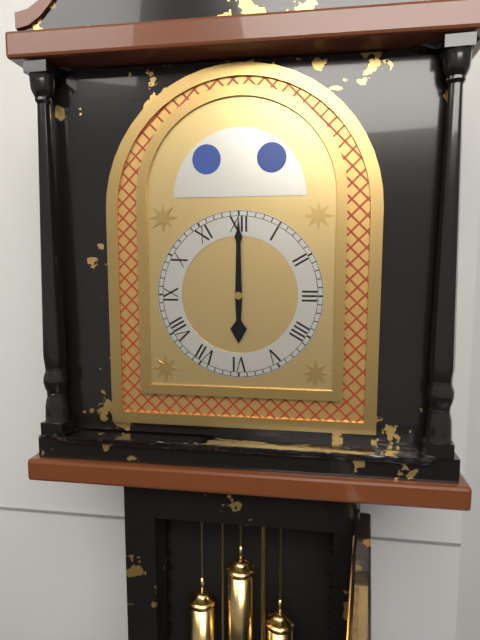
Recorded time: 6:00
